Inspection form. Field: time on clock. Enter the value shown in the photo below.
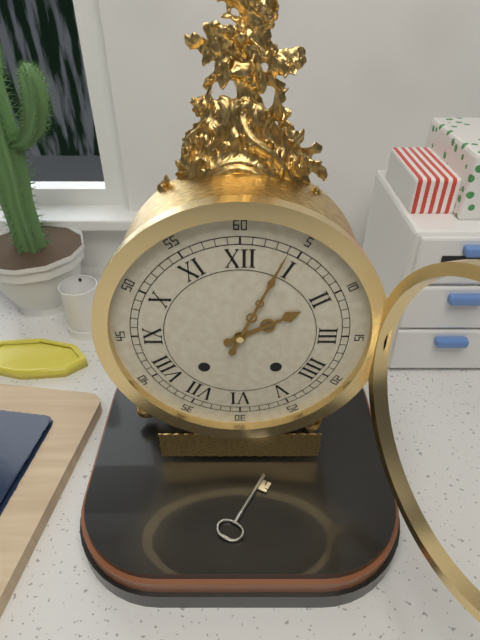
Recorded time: 2:04
